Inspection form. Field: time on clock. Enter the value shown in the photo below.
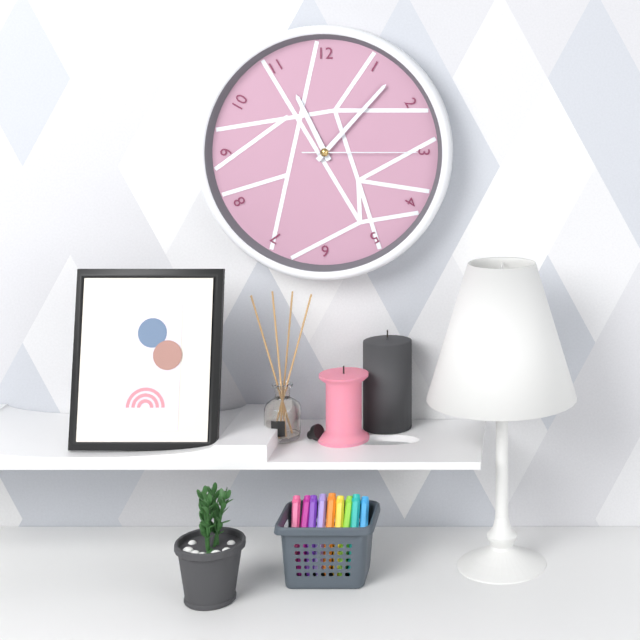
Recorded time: 11:07:15
